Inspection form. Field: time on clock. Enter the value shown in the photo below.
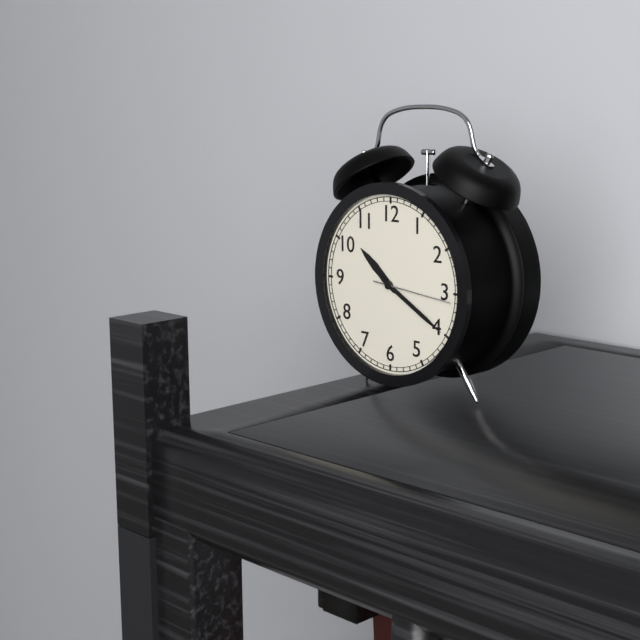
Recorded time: 10:20:16
